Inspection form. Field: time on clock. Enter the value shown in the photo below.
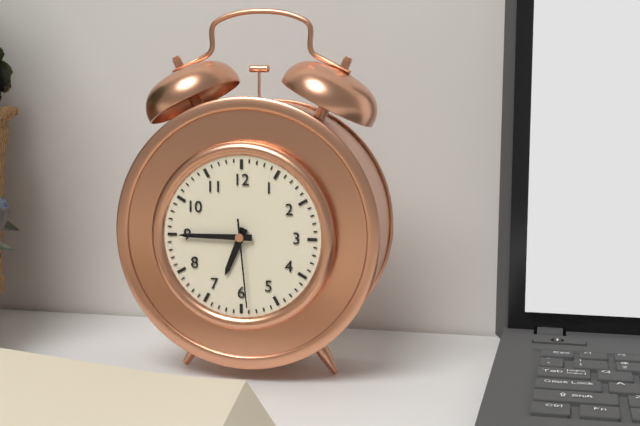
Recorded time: 6:45:29
